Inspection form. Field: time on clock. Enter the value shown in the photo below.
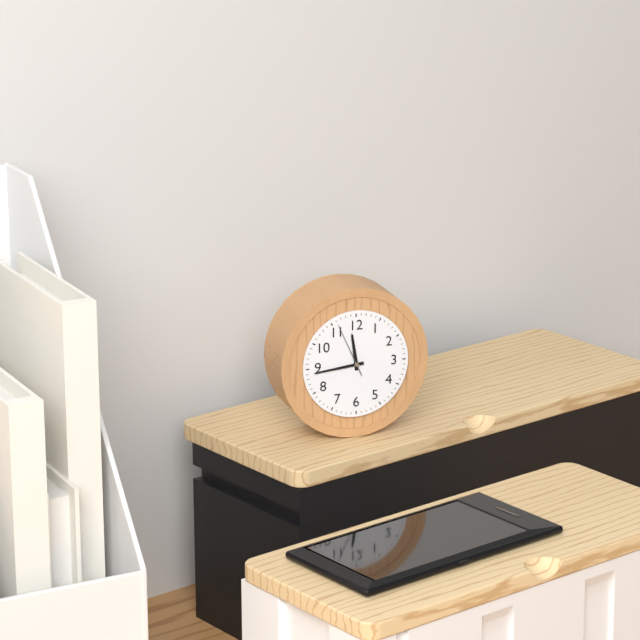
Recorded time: 11:44:56
